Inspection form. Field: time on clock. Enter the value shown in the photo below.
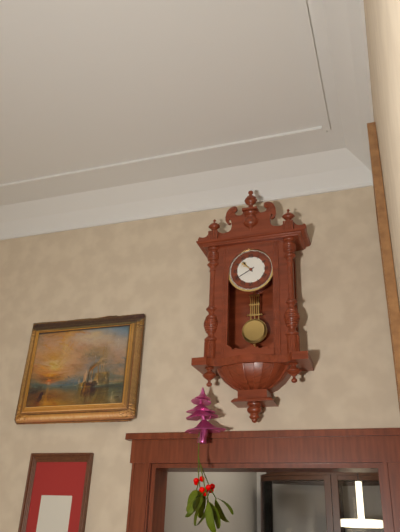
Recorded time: 10:40
